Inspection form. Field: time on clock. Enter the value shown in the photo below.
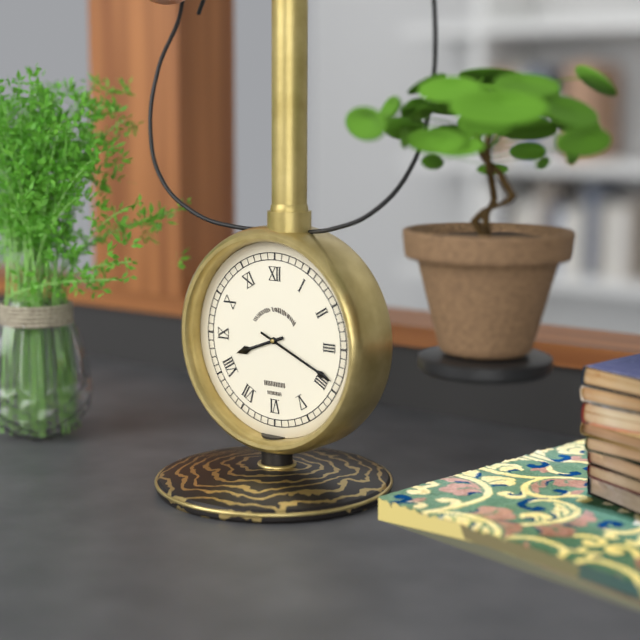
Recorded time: 8:19
